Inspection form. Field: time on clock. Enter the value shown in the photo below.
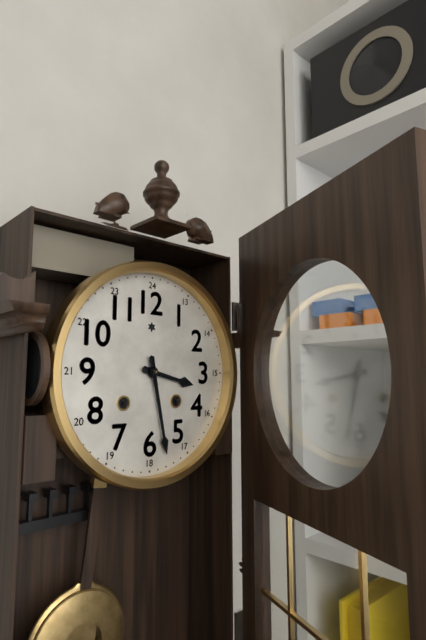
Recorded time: 3:28
